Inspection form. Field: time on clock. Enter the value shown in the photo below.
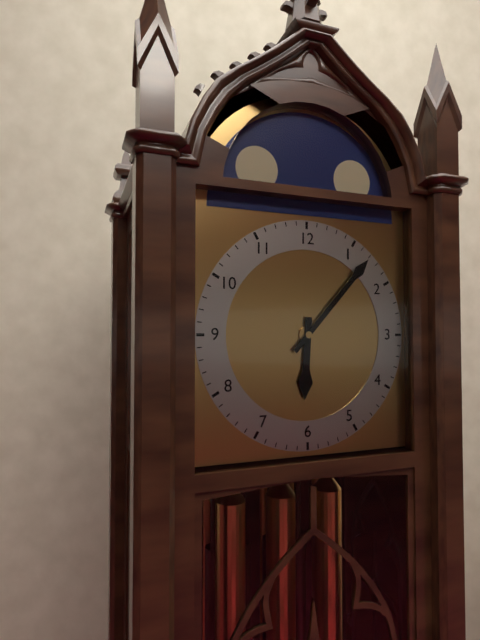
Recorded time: 6:07
